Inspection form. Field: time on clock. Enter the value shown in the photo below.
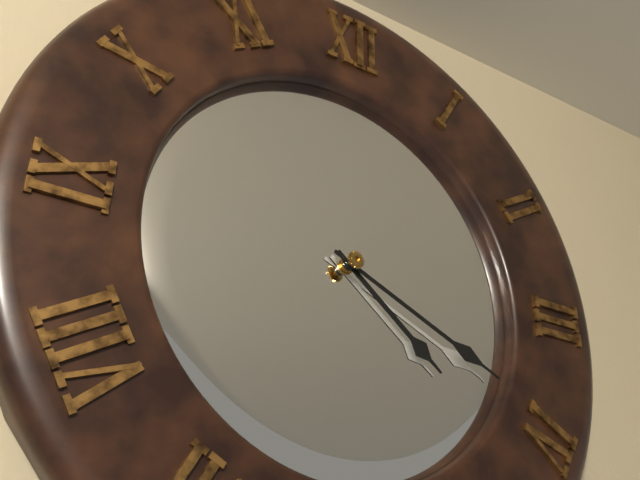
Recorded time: 4:19
